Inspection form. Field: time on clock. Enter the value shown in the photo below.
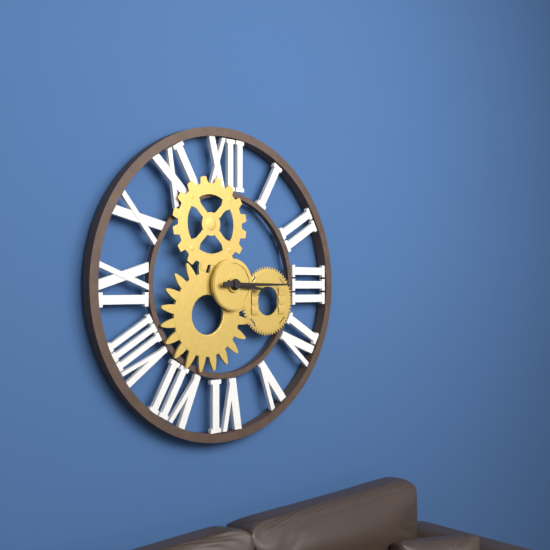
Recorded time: 3:15
